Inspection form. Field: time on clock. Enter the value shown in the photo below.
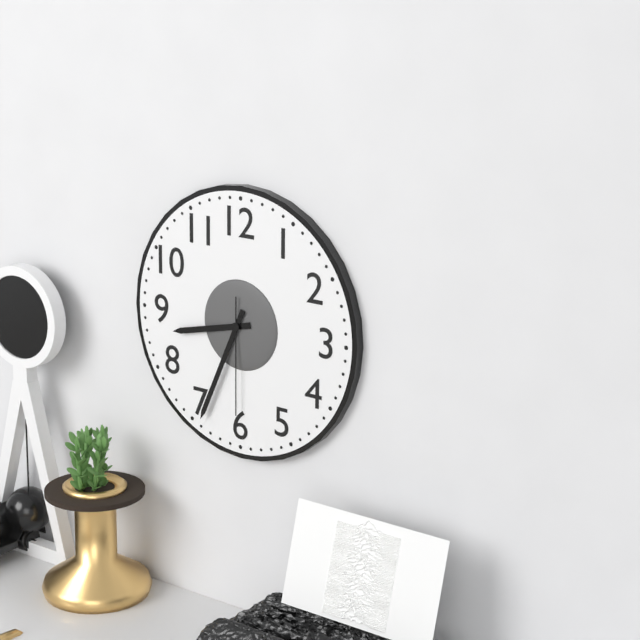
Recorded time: 8:34:30
